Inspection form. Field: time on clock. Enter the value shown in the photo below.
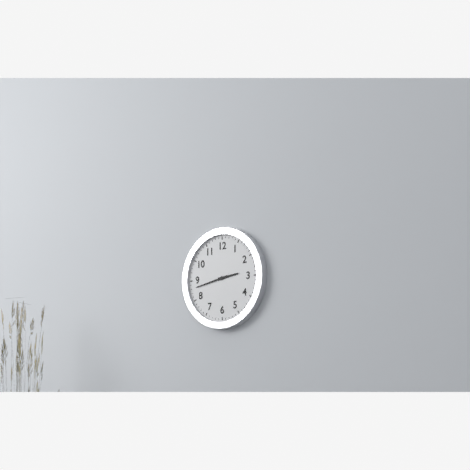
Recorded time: 2:43
